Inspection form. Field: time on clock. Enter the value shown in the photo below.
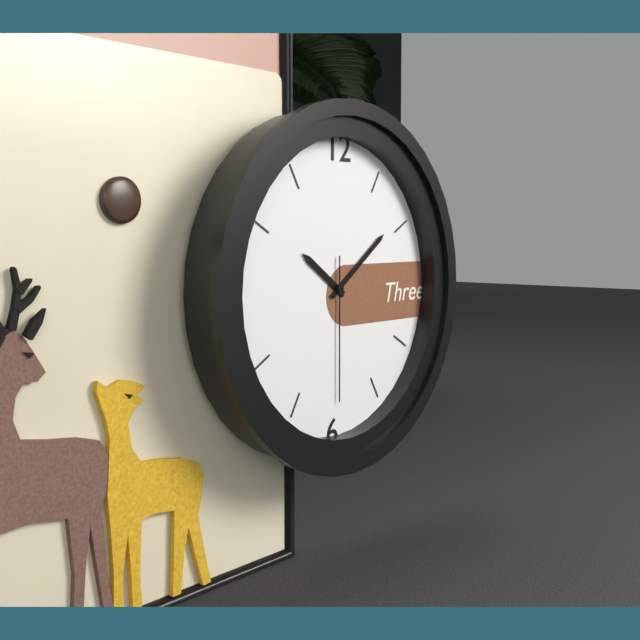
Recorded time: 10:09:30
